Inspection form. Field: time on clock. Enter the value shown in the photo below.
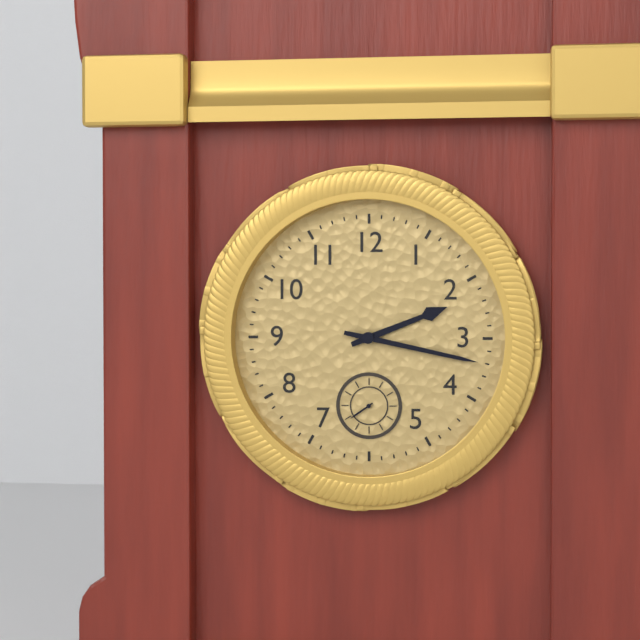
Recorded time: 2:17
